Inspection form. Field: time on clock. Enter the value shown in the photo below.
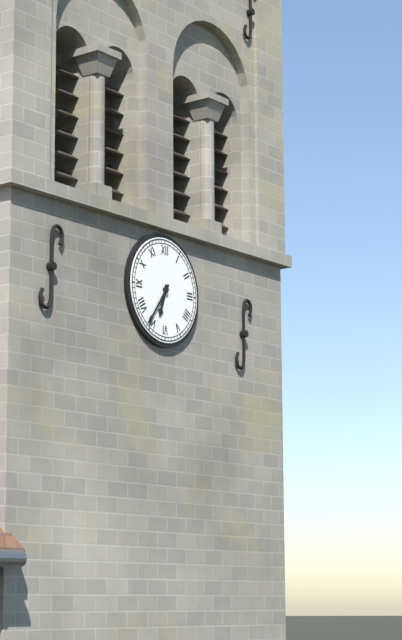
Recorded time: 6:36
